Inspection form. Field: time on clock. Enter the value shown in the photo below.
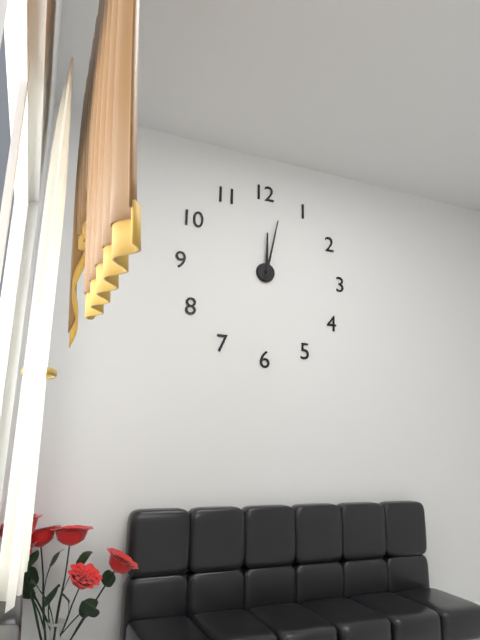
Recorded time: 12:02
